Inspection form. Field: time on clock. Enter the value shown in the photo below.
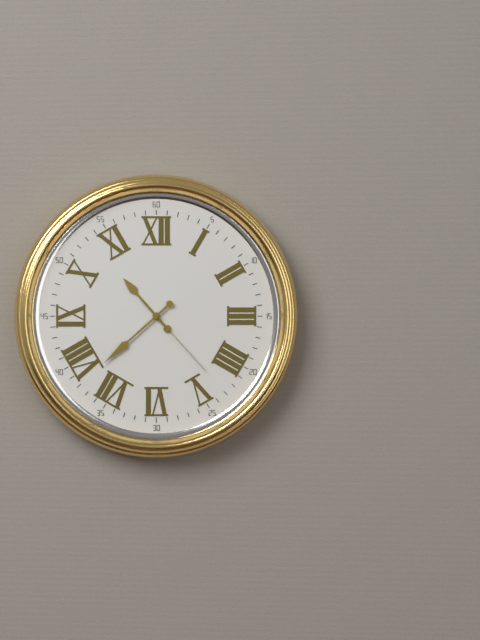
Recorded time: 10:38:23
